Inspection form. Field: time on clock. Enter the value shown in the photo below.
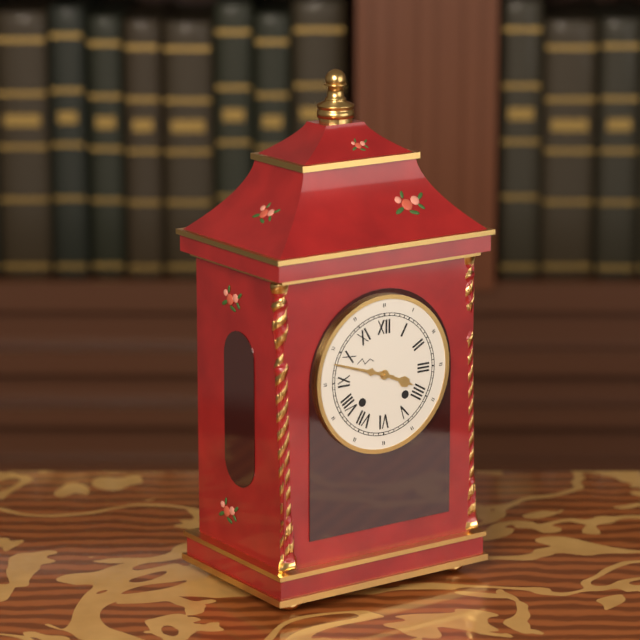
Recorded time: 3:48
